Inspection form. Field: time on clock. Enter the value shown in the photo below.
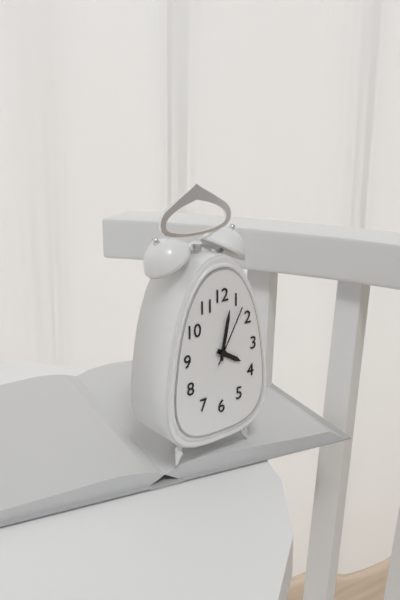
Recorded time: 4:02:05
